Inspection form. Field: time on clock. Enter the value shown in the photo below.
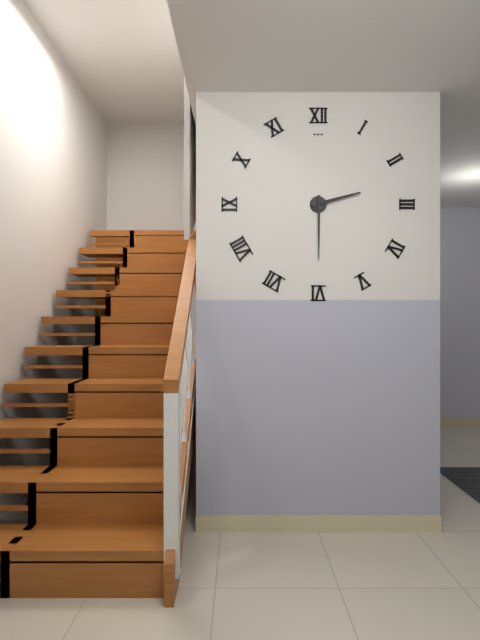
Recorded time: 2:30
